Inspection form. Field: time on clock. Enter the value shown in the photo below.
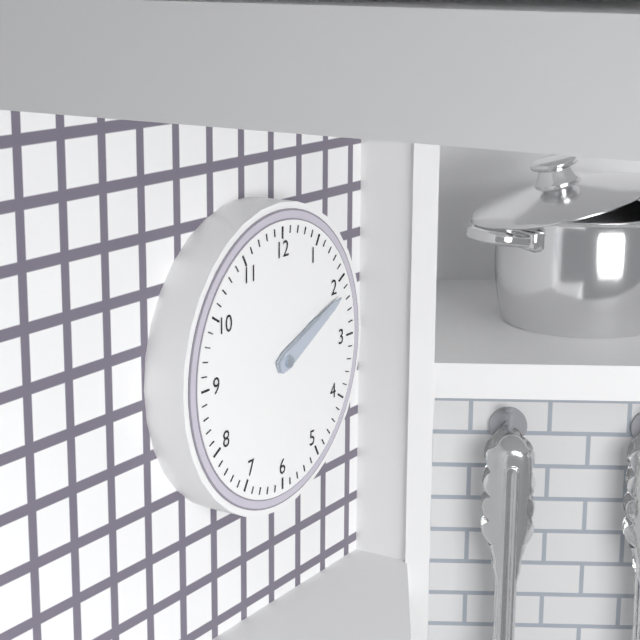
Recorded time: 2:11
